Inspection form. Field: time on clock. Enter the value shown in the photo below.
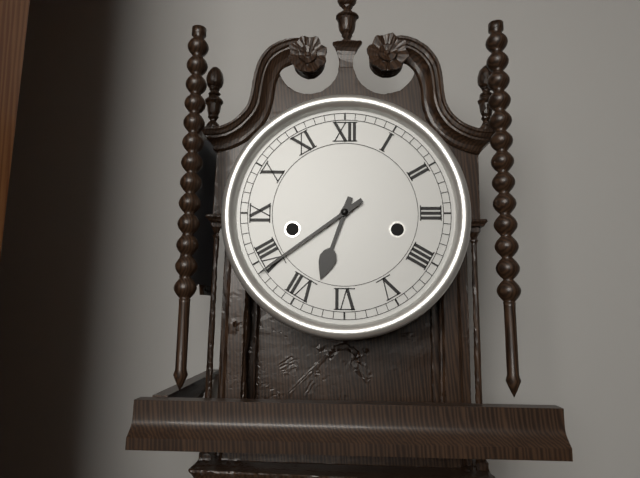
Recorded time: 6:39
